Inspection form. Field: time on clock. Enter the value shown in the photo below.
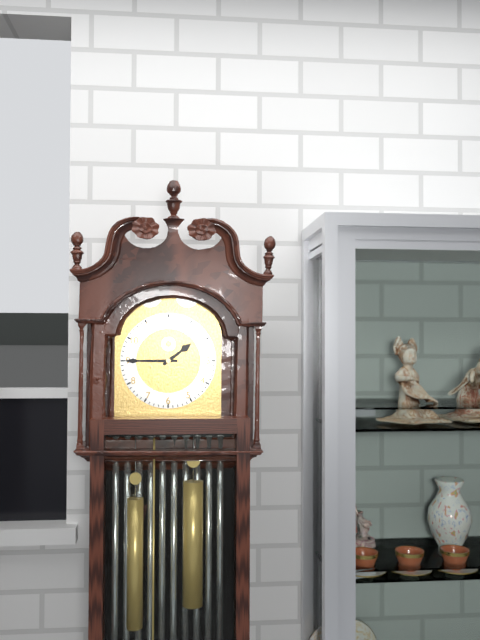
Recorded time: 1:45
